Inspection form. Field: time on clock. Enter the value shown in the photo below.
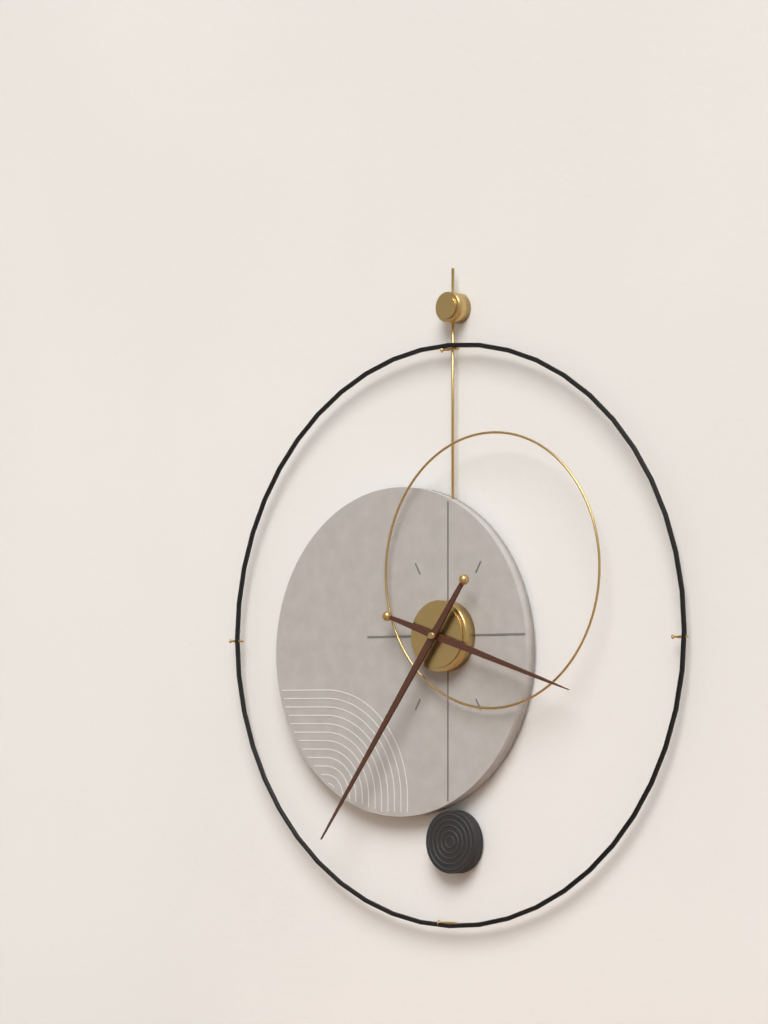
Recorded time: 3:36
